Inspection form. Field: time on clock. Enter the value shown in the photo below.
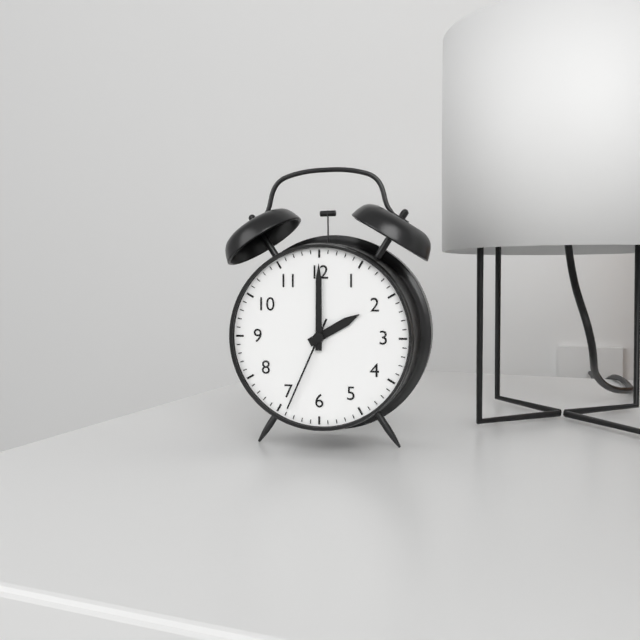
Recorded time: 2:00:34
